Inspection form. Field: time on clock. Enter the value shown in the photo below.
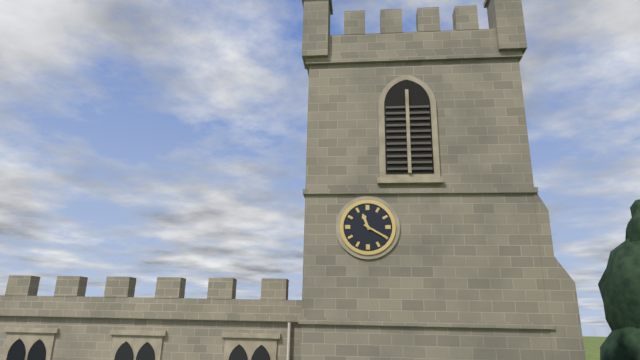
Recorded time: 11:20
